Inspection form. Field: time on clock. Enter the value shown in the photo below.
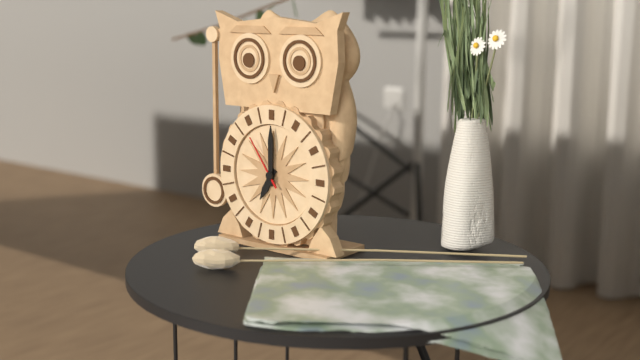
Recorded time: 7:00:54
